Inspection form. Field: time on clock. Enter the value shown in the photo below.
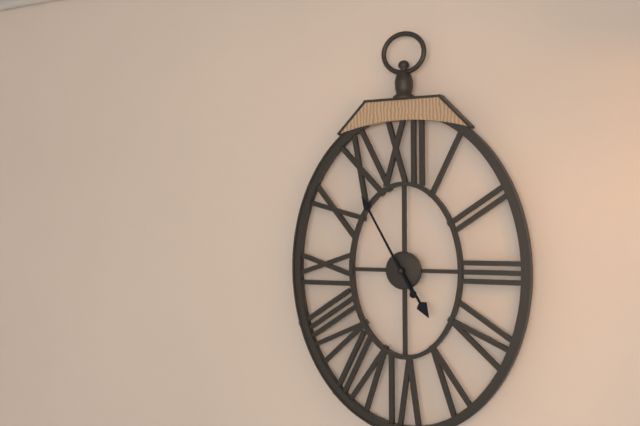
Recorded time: 4:55
